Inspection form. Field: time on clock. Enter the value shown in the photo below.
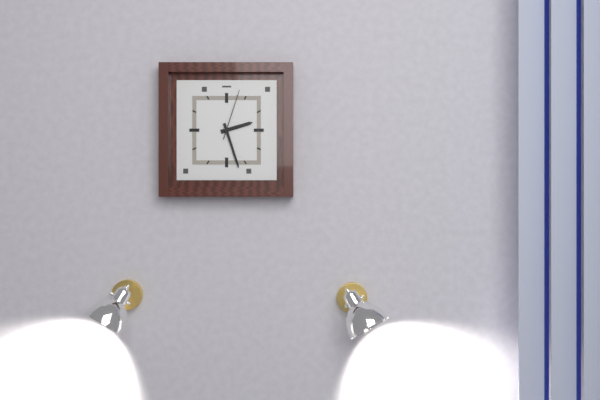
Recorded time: 2:27:03
